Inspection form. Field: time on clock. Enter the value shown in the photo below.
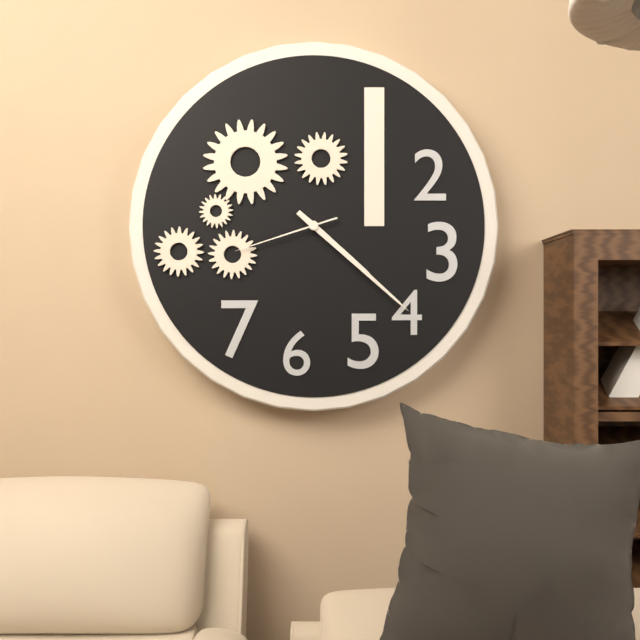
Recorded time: 4:22:42
